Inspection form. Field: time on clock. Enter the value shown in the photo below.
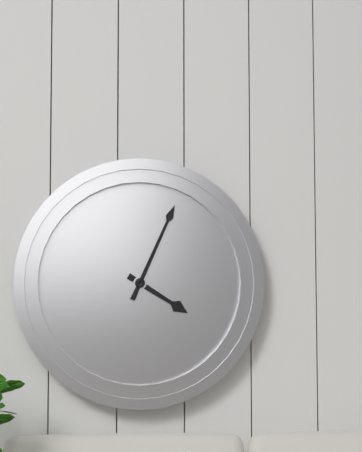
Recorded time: 4:04
